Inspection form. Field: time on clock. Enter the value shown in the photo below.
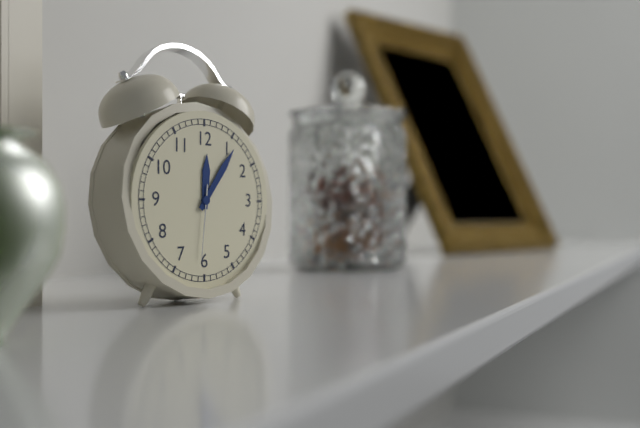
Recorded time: 12:06:31
